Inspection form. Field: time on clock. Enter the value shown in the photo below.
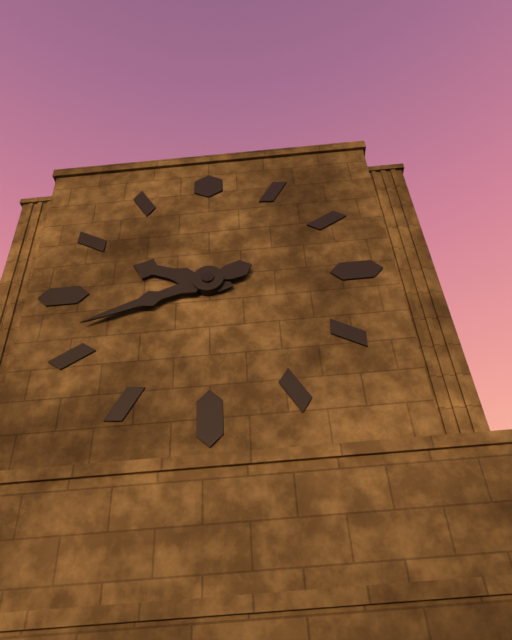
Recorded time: 9:42
